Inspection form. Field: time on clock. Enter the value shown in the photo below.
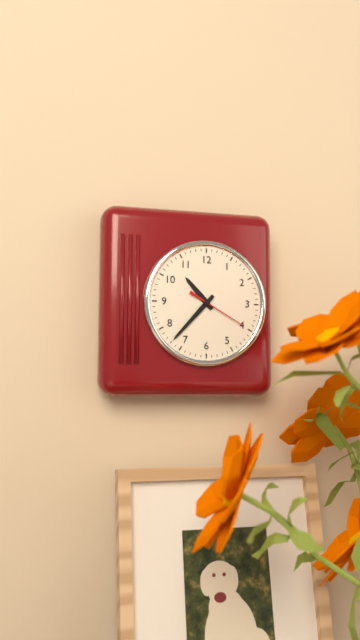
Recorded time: 10:37:20
